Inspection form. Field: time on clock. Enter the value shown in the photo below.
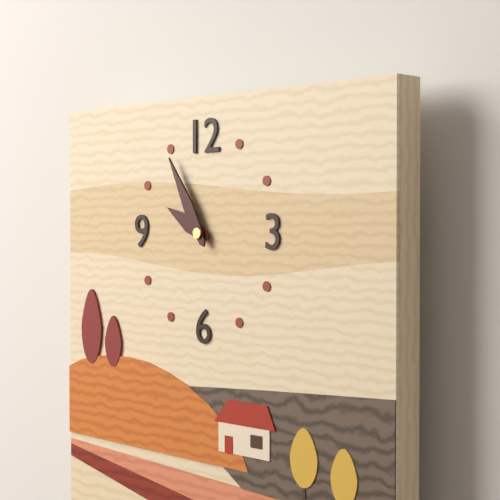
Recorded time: 9:55
